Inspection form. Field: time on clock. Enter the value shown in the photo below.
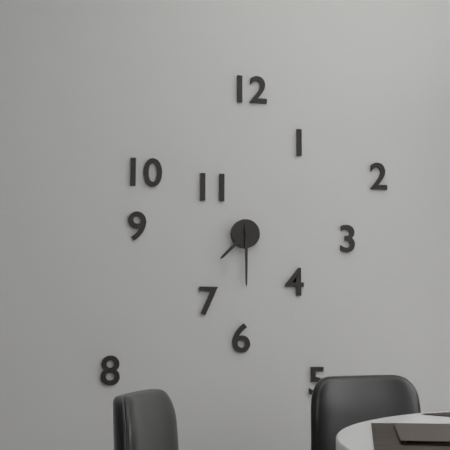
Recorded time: 7:30
